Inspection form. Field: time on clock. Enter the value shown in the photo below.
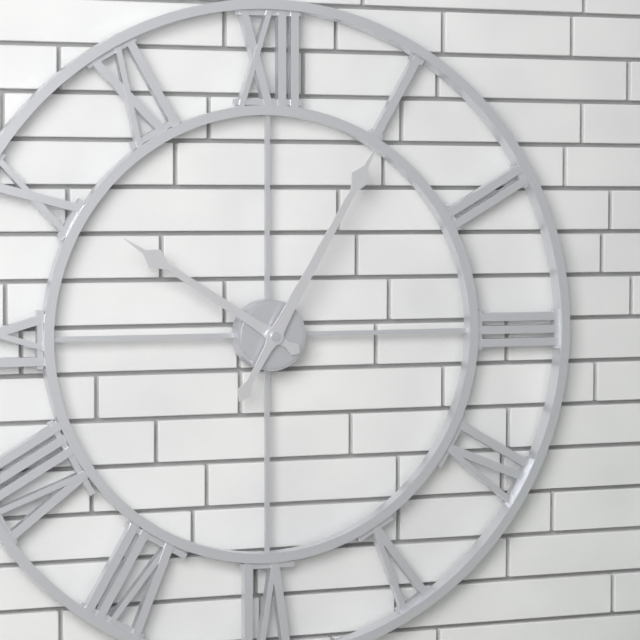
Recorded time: 10:05
